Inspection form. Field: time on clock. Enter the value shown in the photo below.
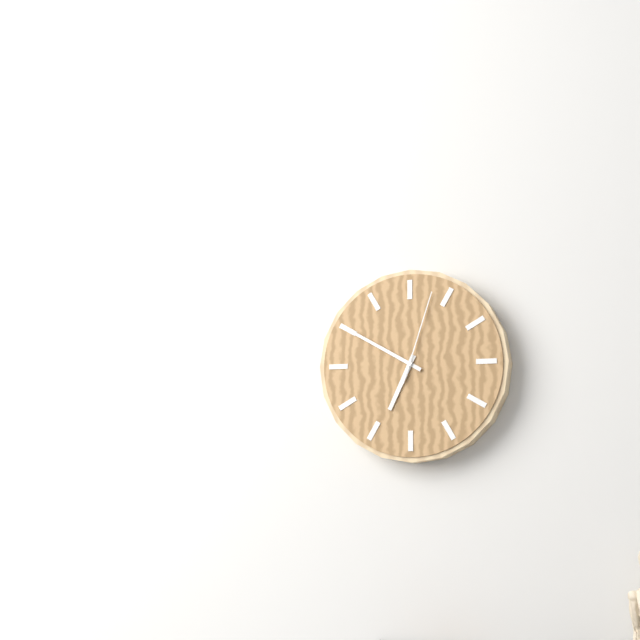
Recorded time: 6:50:03
